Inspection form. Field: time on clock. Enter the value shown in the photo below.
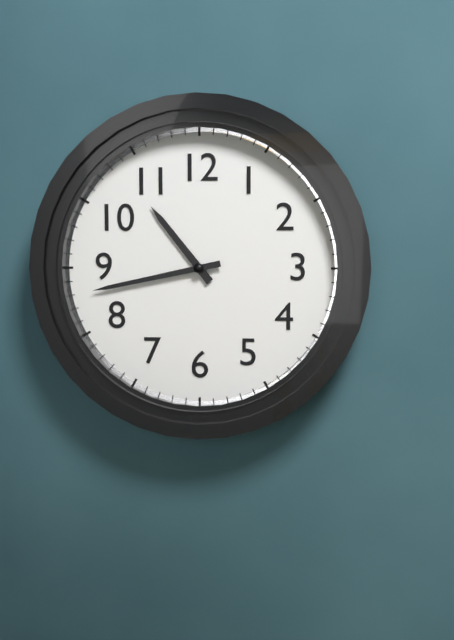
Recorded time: 10:43
